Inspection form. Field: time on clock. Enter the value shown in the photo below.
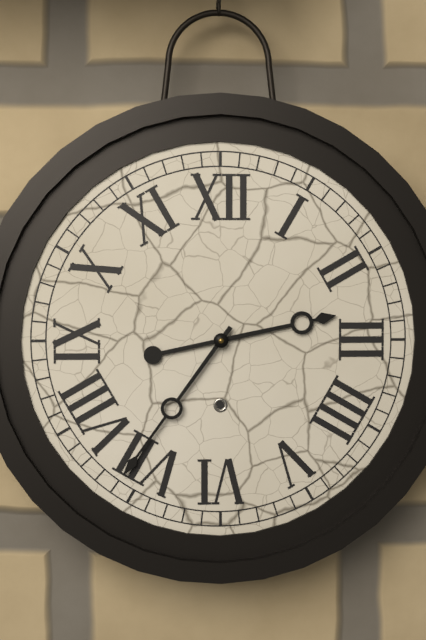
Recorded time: 2:36
